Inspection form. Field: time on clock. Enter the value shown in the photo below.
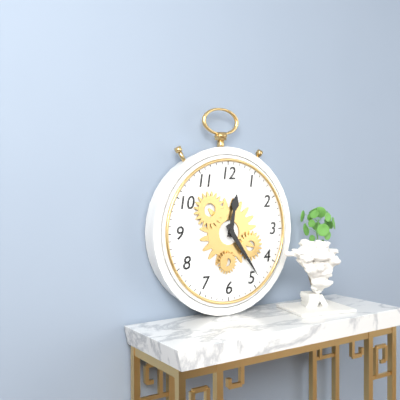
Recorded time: 12:24
